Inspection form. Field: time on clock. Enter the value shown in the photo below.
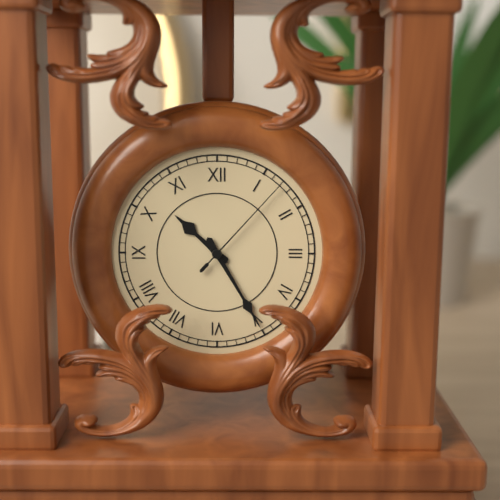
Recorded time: 10:25:07
